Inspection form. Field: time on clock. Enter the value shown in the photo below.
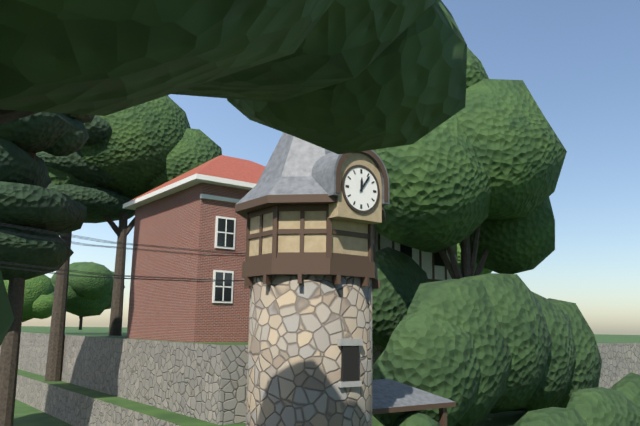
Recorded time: 12:06
